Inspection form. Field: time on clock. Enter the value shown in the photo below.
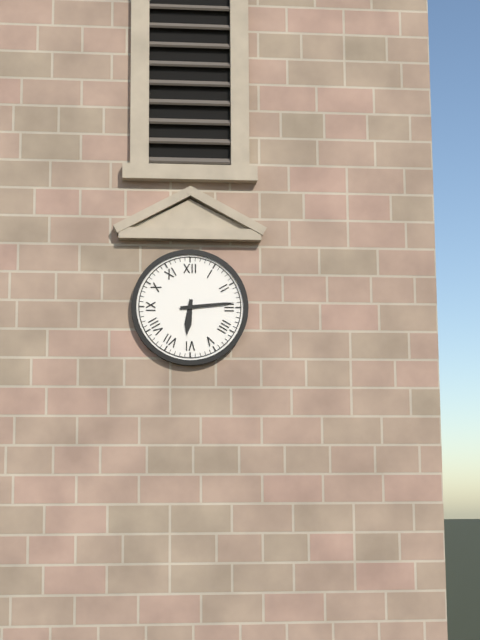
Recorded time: 6:14
